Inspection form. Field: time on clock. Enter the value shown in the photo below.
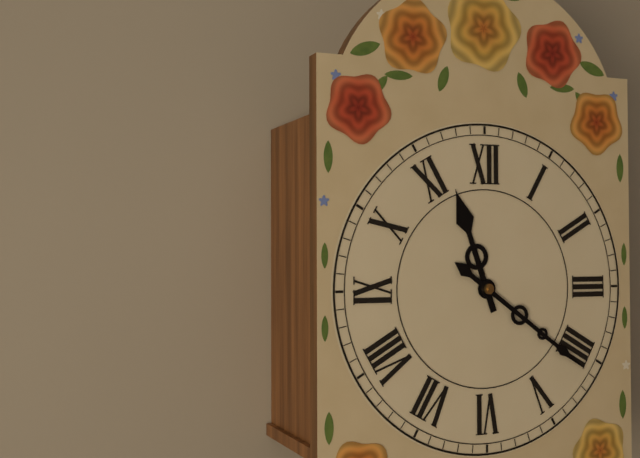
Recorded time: 11:21
